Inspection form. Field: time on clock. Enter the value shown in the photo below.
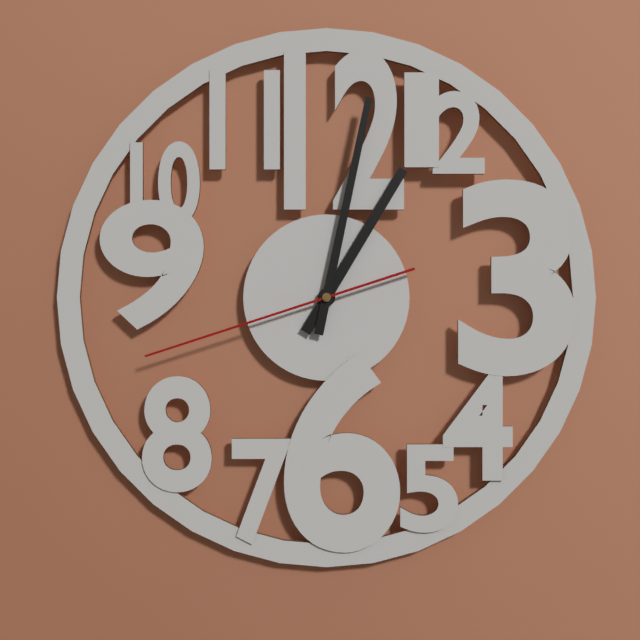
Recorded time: 1:02:42
